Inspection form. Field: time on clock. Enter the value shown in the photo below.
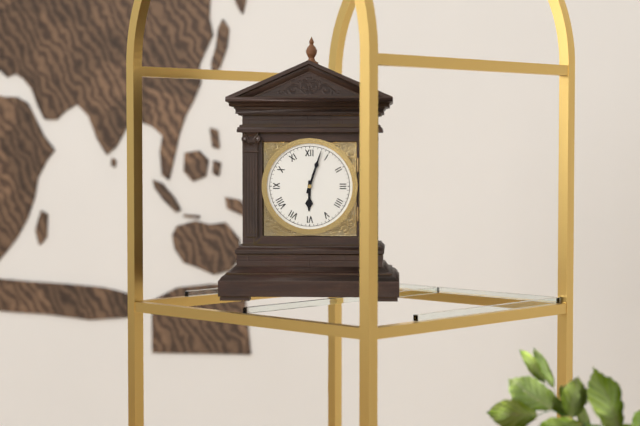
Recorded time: 6:03
